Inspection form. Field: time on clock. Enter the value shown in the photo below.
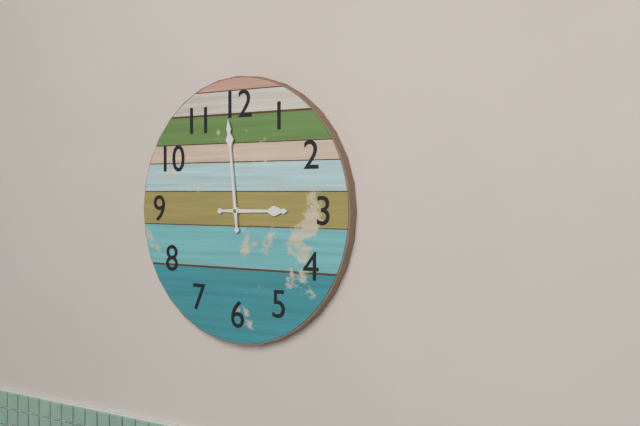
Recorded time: 2:59
